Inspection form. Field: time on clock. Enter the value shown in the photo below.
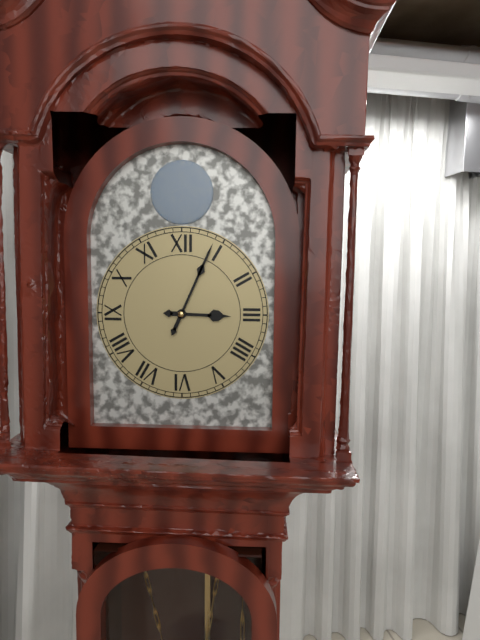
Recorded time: 3:04
